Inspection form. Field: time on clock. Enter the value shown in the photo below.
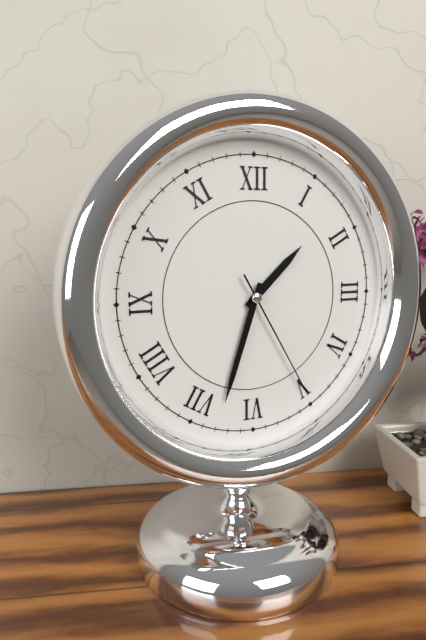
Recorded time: 1:33:25
